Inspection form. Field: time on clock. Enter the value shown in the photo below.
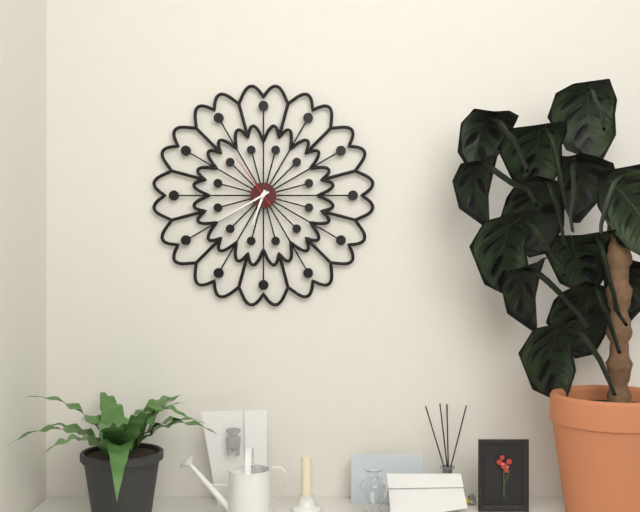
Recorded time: 6:40:54
